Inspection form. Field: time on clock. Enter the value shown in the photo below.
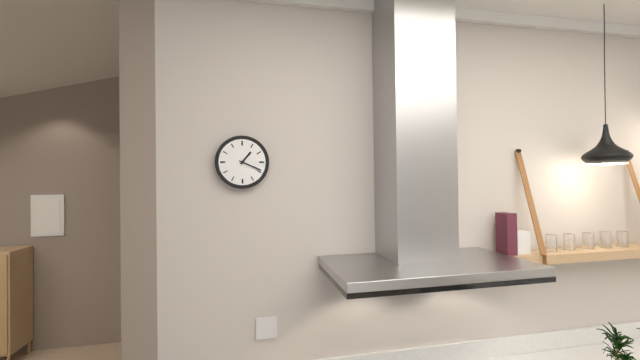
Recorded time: 1:19
